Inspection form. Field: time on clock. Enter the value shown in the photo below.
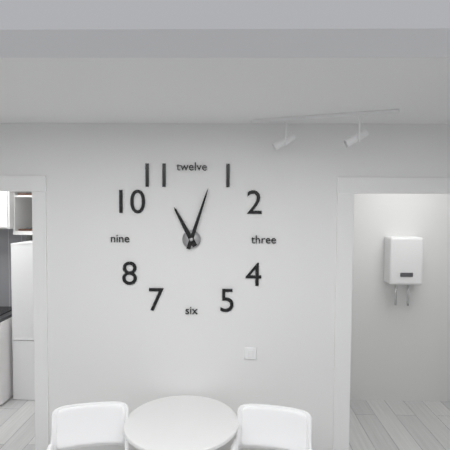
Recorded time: 11:03
